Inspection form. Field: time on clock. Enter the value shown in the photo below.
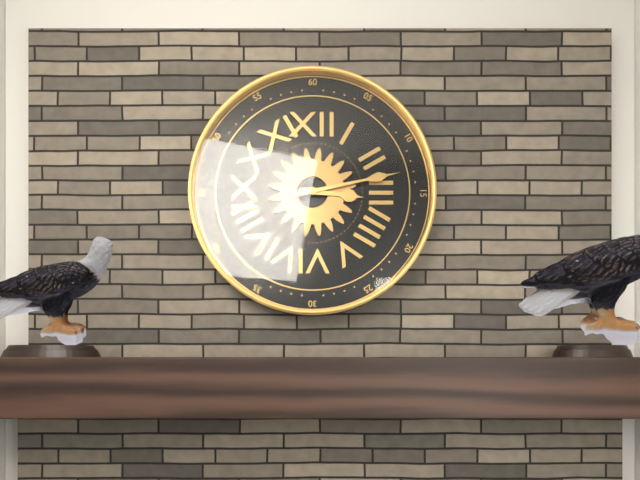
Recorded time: 3:13
